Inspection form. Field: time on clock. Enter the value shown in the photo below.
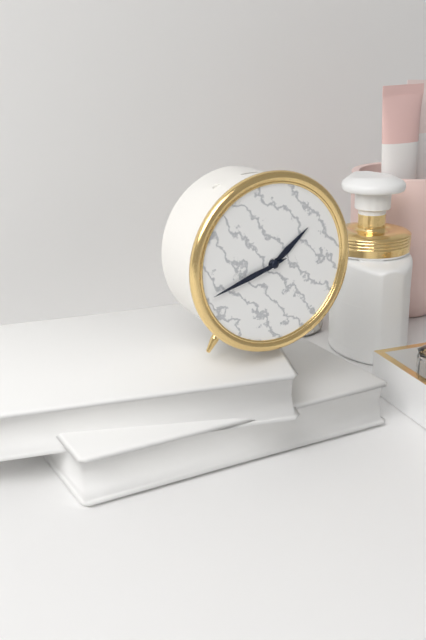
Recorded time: 1:42
